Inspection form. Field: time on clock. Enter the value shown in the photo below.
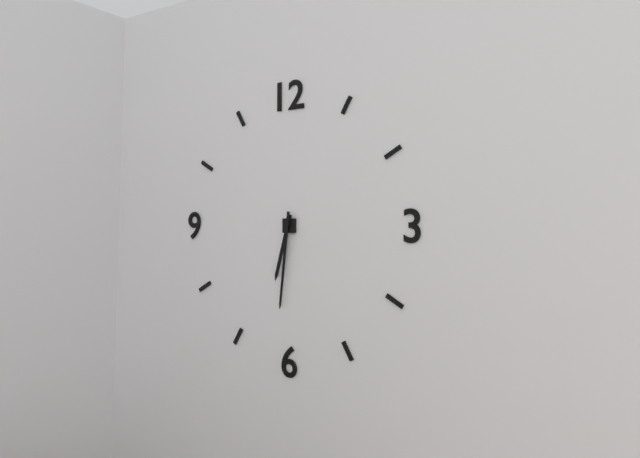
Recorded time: 6:31
